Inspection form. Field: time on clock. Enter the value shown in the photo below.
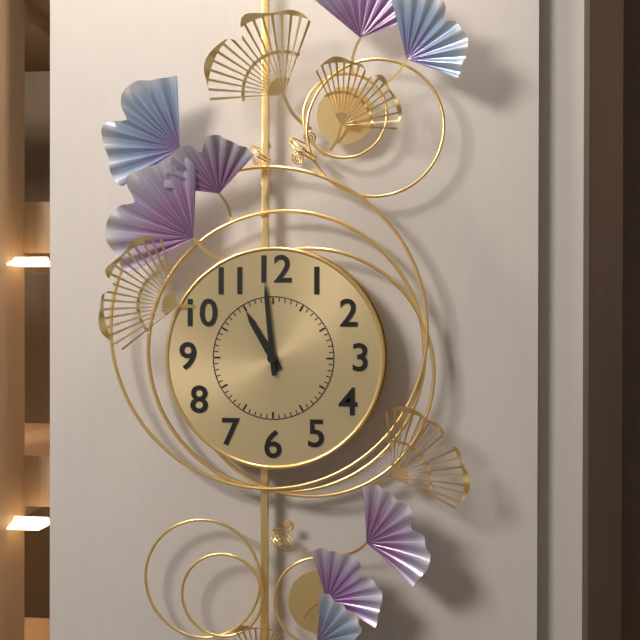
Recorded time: 10:59
